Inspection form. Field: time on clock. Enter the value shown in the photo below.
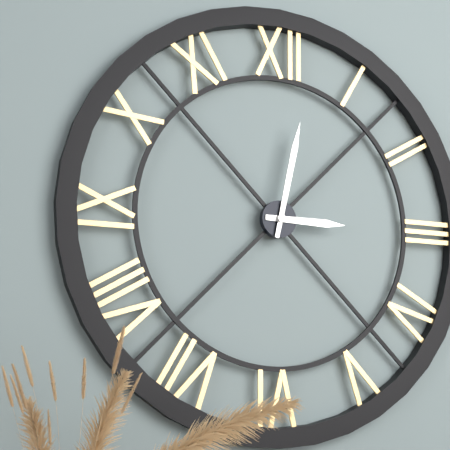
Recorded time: 3:02
